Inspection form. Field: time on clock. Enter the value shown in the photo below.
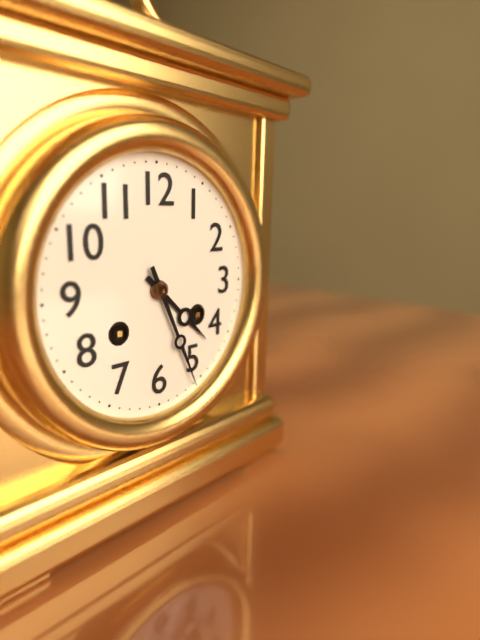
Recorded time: 4:26
